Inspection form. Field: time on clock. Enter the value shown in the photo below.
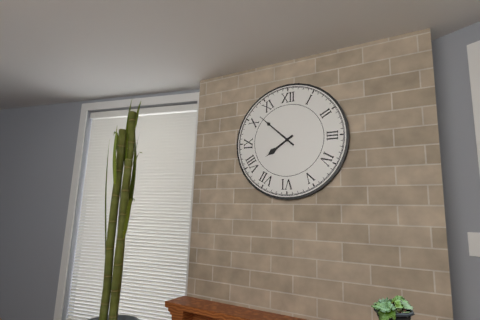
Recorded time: 7:52
